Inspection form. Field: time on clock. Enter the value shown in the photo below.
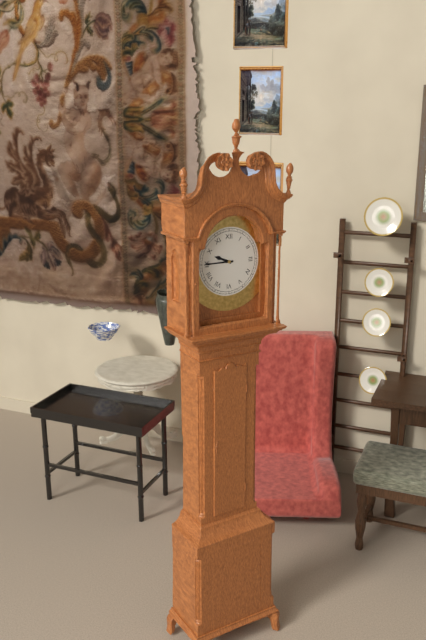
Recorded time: 9:45
